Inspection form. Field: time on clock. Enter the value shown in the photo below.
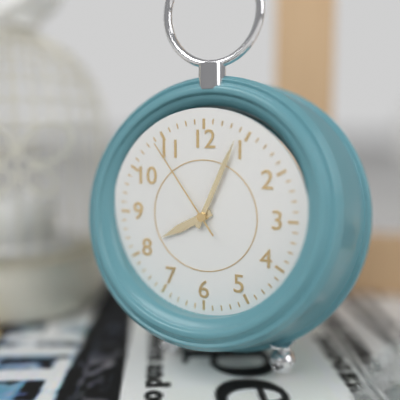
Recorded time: 8:04:54
